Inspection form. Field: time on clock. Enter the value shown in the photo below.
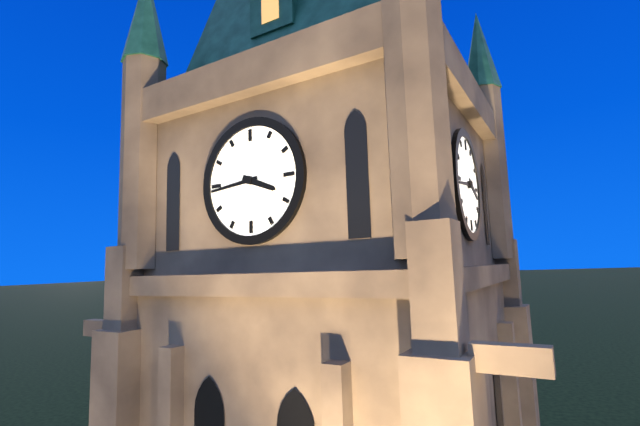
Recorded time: 3:44
